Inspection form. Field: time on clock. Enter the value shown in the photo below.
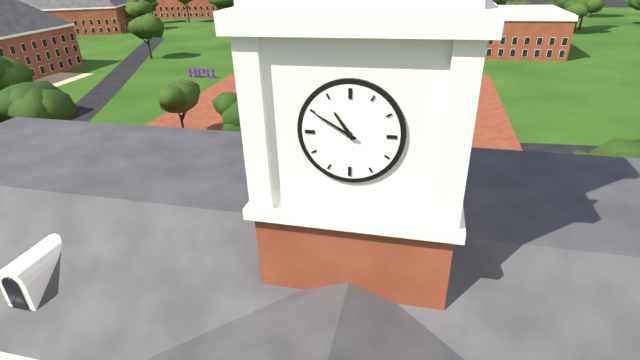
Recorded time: 10:50
